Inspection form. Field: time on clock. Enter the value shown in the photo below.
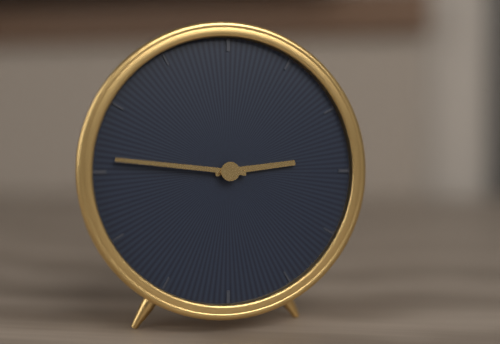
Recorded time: 2:46
